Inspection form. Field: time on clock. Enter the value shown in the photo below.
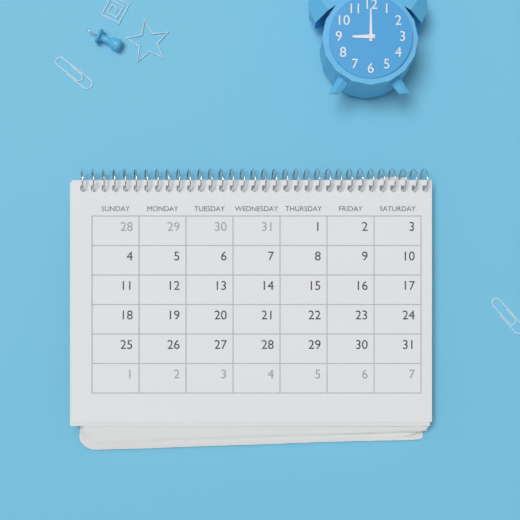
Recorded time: 9:00
